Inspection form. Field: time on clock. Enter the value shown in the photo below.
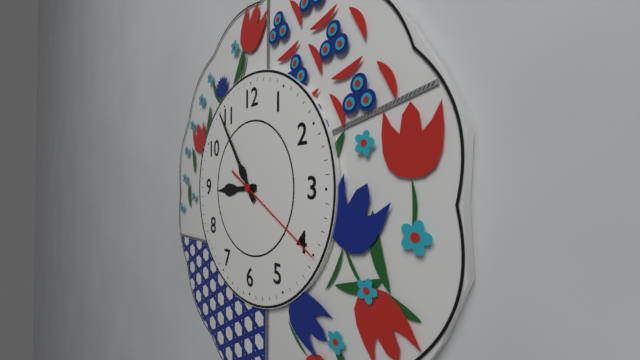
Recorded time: 8:54:20
